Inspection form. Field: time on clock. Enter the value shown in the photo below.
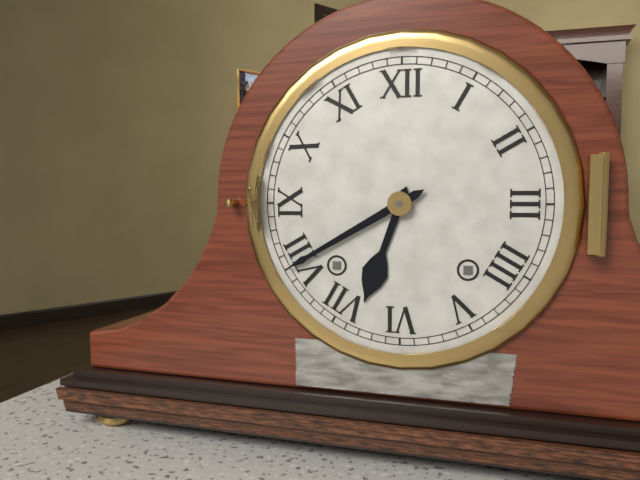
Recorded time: 6:40
